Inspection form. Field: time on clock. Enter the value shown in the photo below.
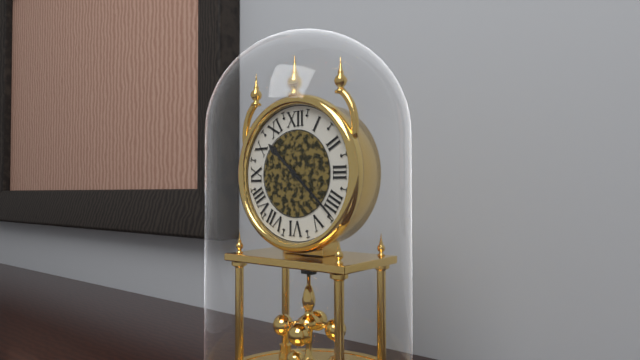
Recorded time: 10:22
